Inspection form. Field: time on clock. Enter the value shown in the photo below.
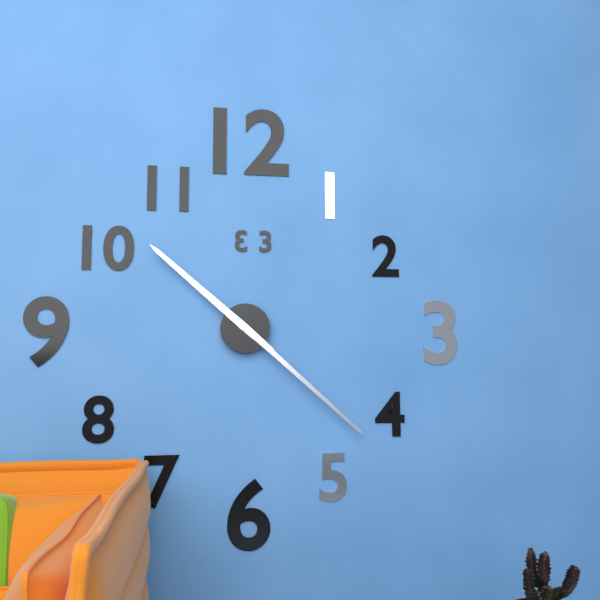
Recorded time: 10:22
